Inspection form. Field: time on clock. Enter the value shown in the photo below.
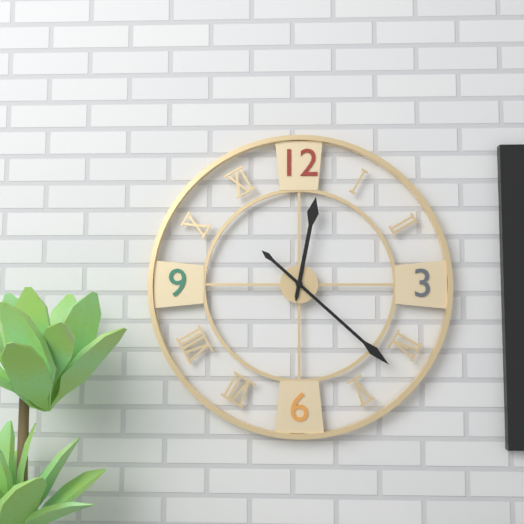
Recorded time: 12:22
